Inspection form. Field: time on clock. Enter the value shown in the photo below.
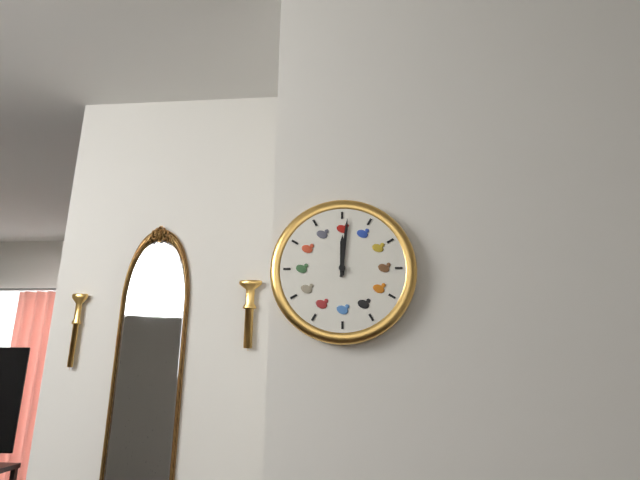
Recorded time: 12:01
